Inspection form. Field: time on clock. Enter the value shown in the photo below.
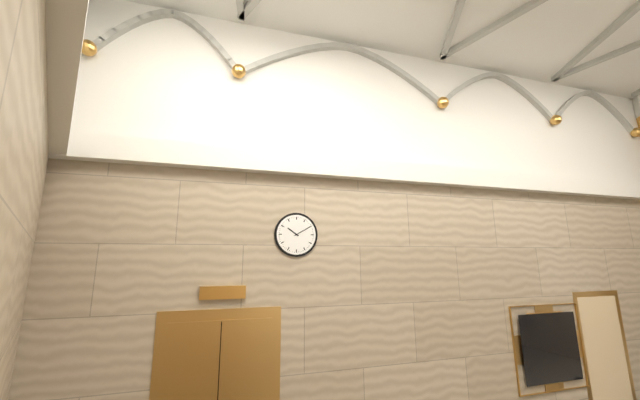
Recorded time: 10:10
